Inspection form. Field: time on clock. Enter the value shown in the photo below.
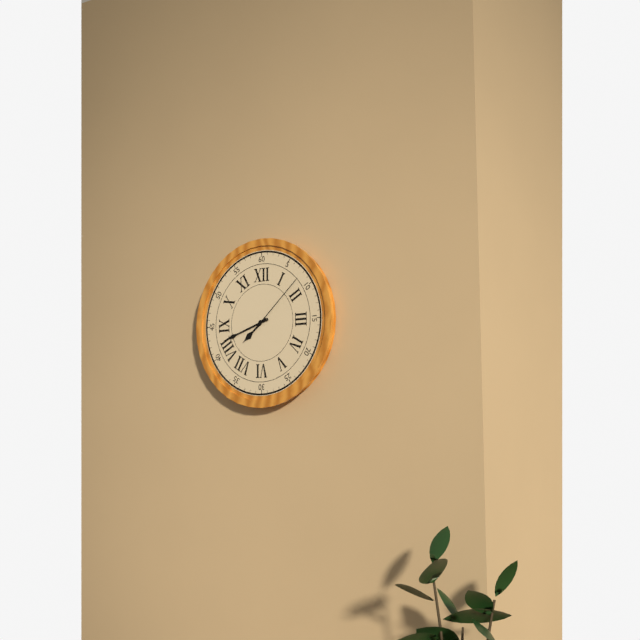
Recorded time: 7:42:08
